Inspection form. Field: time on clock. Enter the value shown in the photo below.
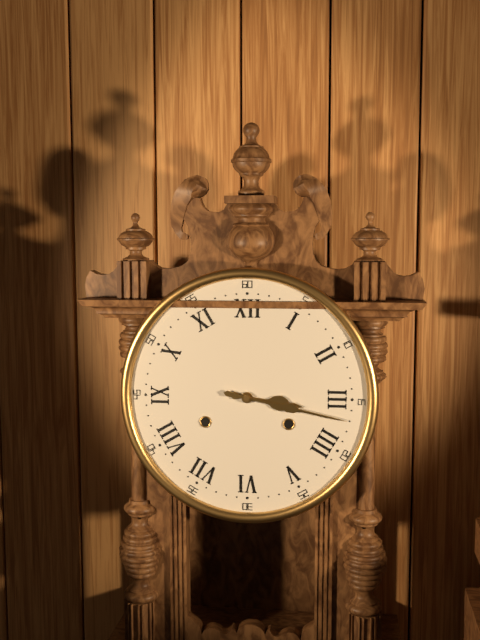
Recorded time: 3:17
